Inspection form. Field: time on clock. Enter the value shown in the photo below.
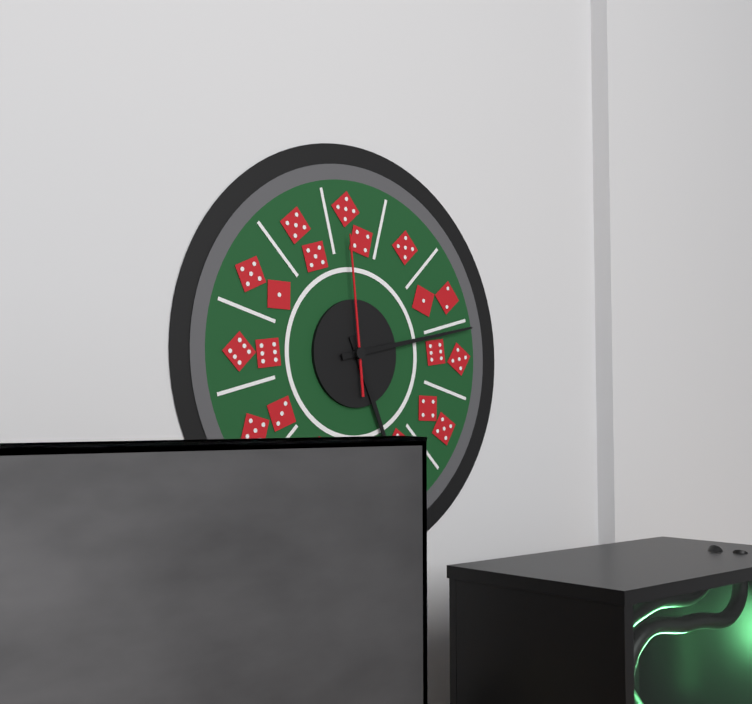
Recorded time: 5:13:59
